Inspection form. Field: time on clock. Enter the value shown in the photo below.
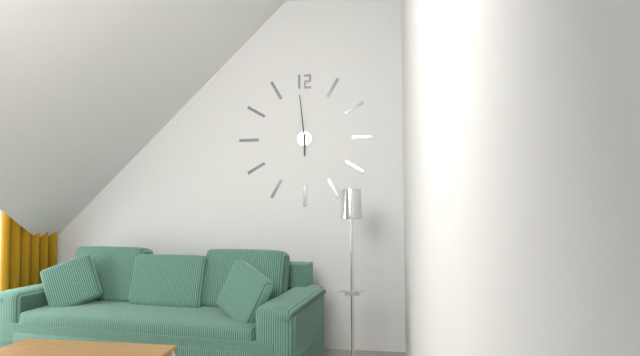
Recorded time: 5:59
